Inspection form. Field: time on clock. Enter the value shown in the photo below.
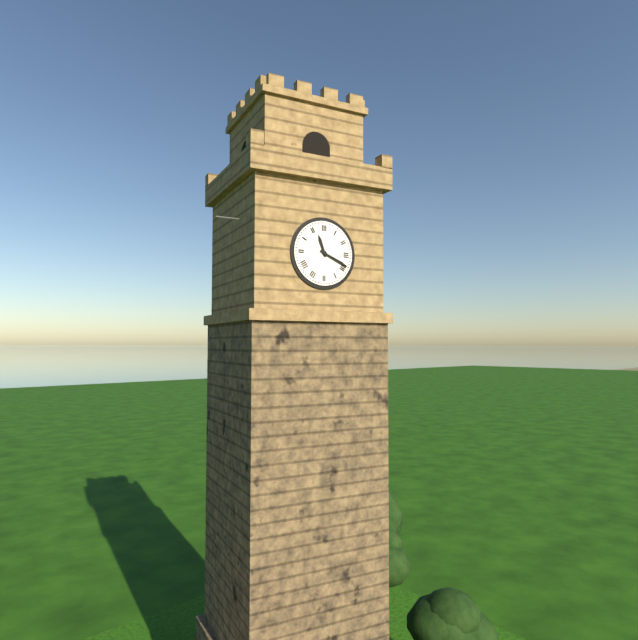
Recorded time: 11:19
